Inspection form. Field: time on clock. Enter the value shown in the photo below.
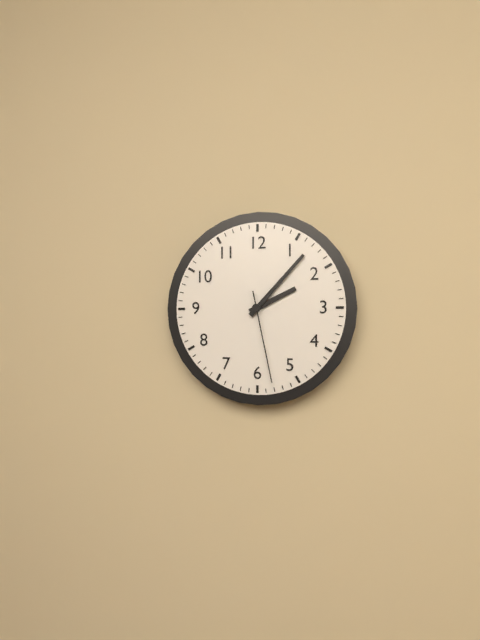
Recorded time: 2:07:28
